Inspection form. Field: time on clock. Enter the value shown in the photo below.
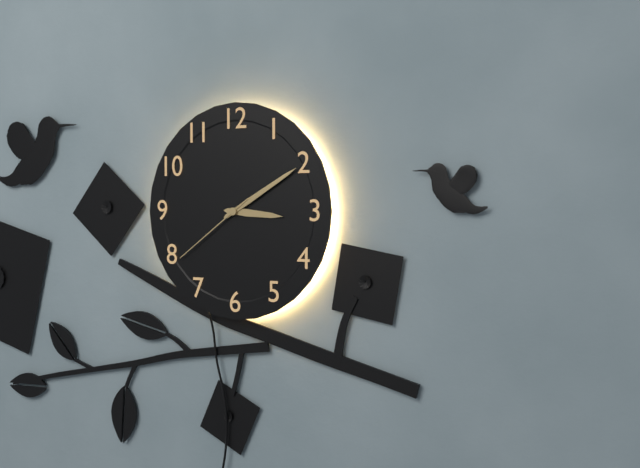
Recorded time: 3:10:39
